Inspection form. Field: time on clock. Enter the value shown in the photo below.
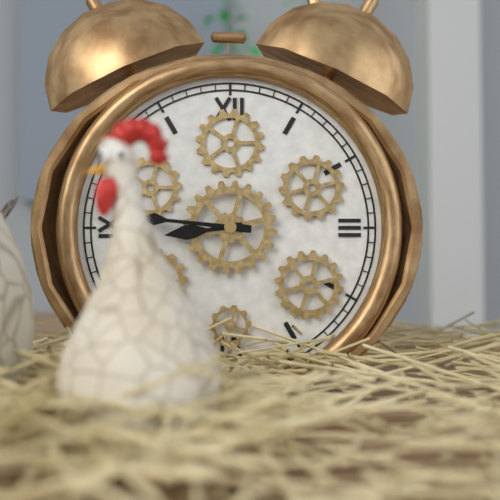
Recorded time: 8:46
